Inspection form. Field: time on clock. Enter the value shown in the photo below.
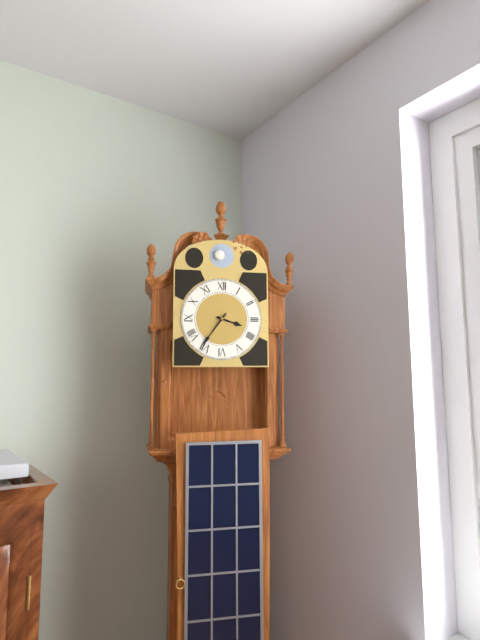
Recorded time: 3:36
